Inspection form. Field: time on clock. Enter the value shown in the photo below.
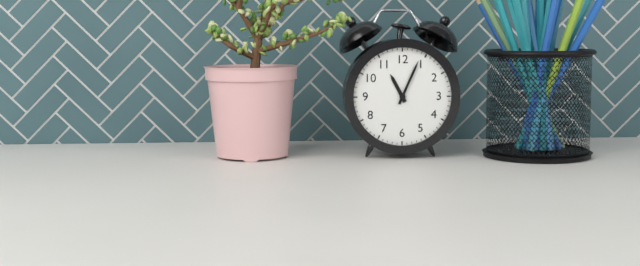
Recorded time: 11:04
